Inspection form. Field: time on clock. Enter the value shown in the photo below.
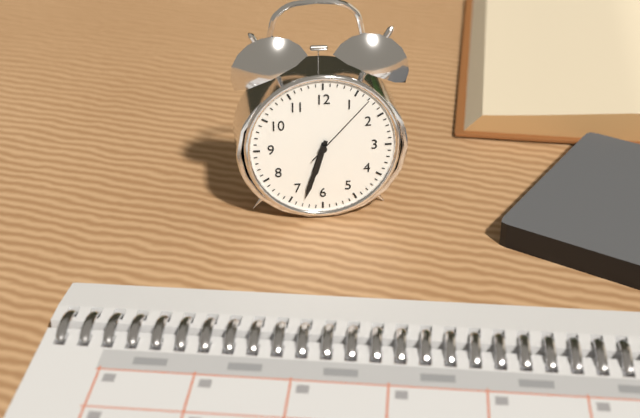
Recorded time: 6:33:07
